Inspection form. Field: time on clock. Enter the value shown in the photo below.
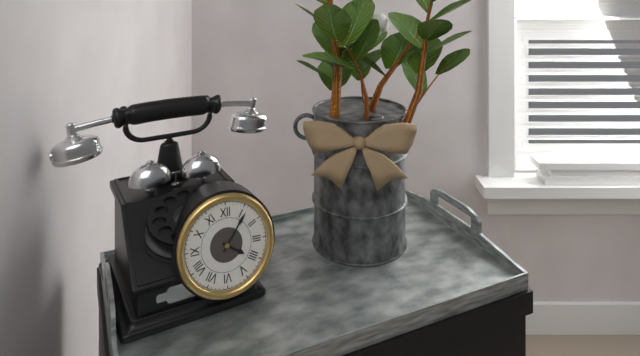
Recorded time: 4:06
